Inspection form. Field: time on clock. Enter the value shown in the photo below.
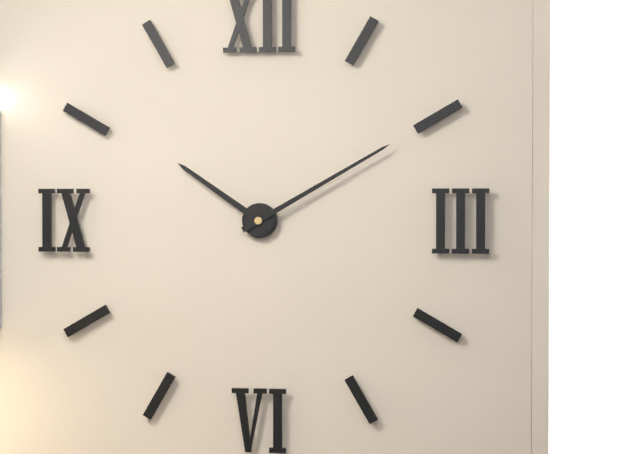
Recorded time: 10:10
